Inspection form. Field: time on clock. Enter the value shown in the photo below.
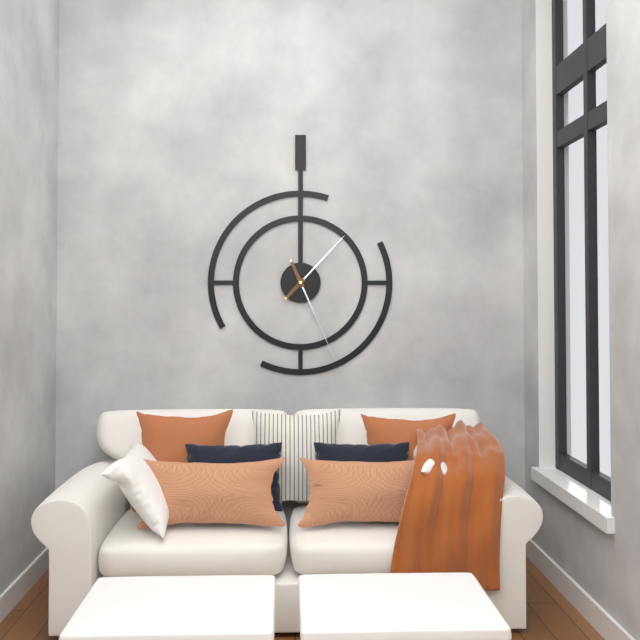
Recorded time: 1:26
